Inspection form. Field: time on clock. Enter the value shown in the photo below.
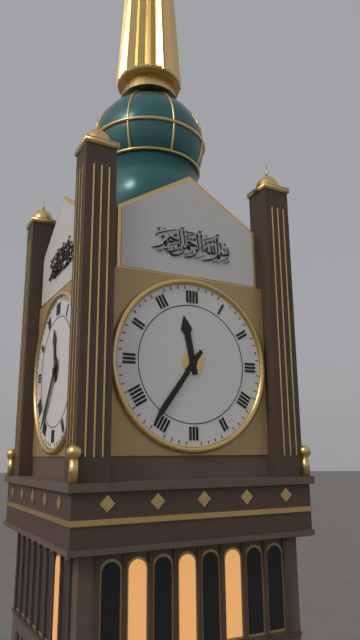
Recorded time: 11:36
